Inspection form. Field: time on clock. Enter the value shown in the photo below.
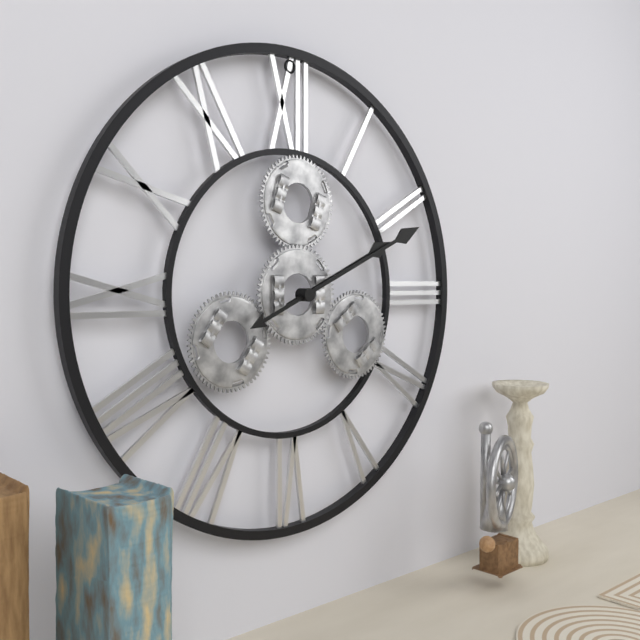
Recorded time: 2:11
